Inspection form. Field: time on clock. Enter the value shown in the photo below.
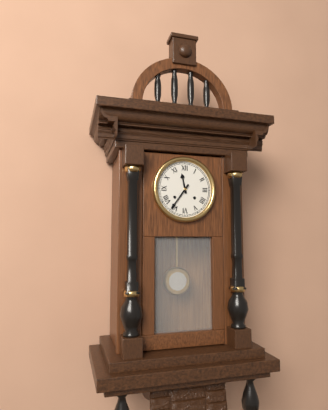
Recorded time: 11:36
